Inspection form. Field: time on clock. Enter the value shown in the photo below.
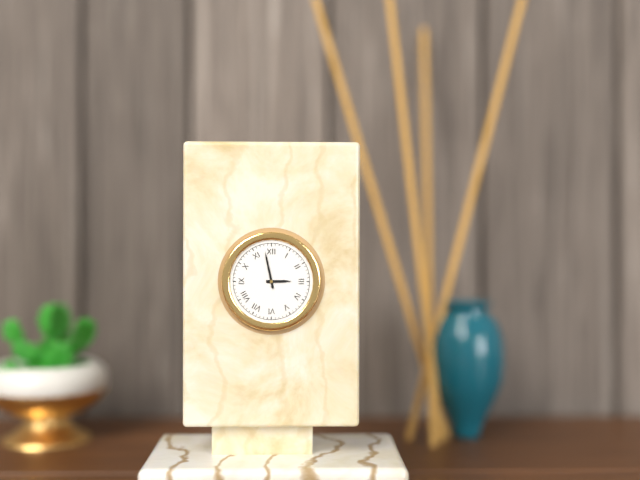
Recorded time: 2:58
